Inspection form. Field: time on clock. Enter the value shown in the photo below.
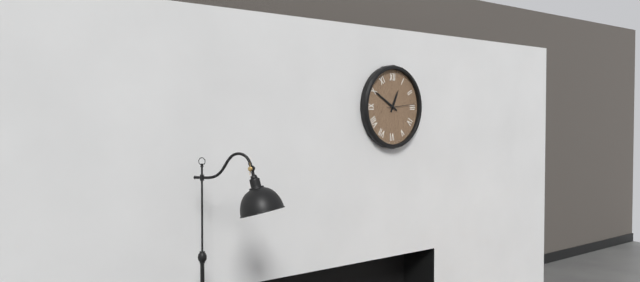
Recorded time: 12:50
